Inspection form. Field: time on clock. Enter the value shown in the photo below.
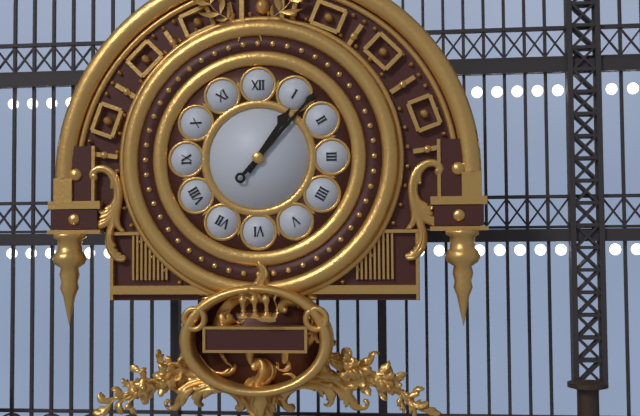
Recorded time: 1:07
